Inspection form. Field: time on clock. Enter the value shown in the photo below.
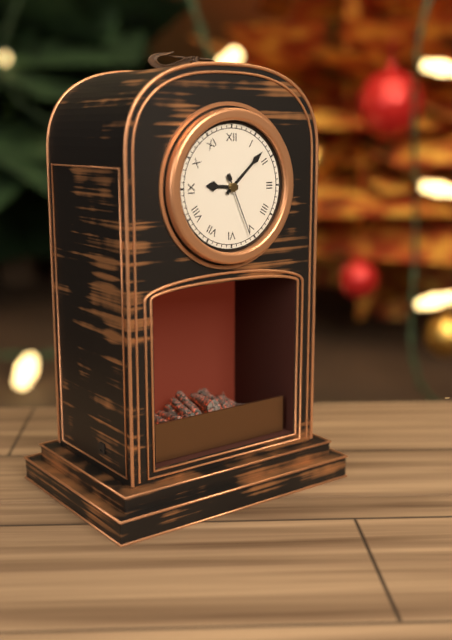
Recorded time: 9:08:26
